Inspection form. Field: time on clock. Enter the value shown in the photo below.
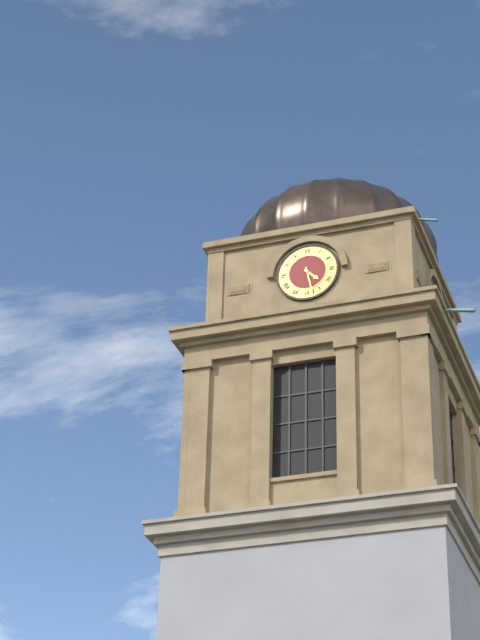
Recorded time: 4:28
